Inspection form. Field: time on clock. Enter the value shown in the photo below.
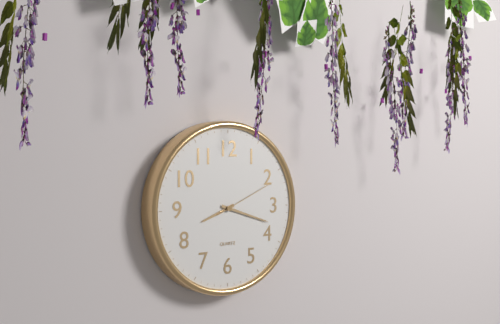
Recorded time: 8:18:11
